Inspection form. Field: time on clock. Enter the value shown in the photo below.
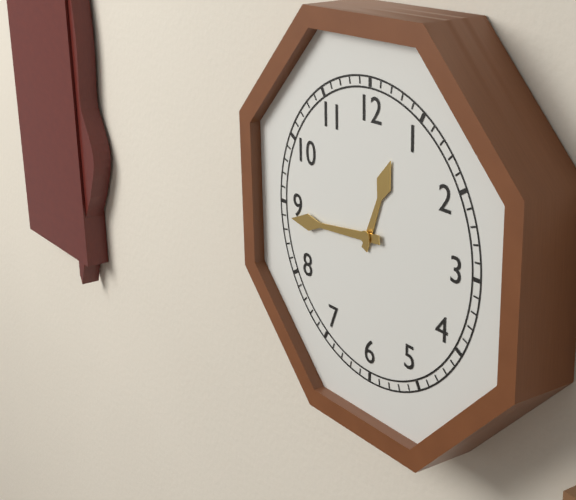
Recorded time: 12:44
